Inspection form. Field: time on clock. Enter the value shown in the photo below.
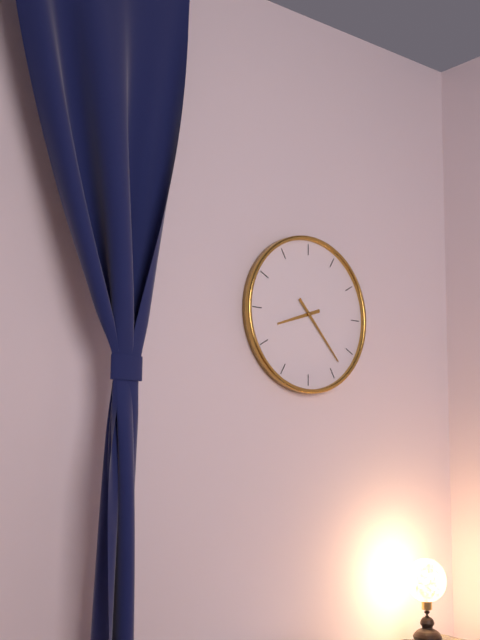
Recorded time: 8:23
